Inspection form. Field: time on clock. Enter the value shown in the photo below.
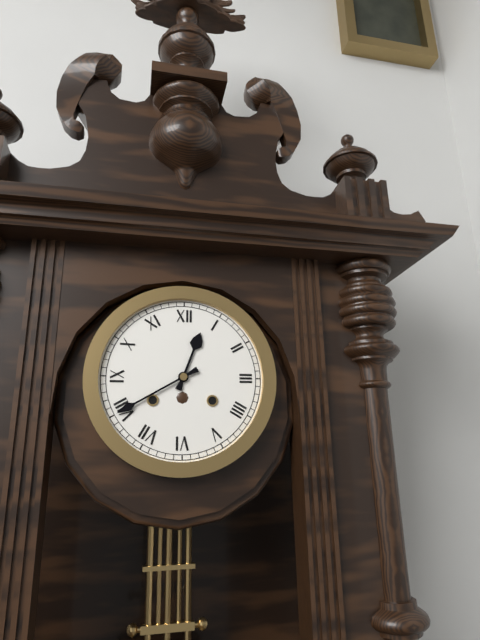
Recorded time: 12:40
